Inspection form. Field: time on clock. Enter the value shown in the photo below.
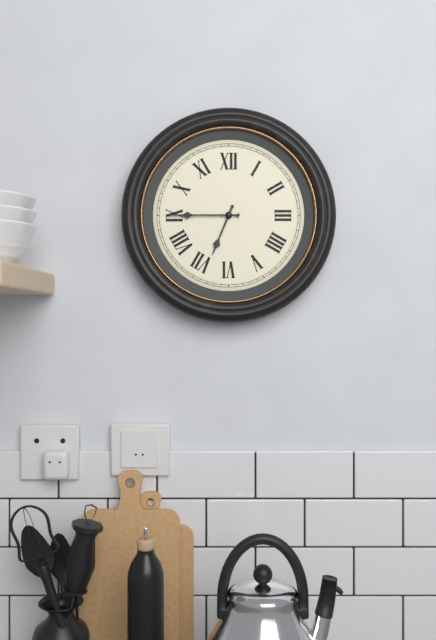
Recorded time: 6:45
